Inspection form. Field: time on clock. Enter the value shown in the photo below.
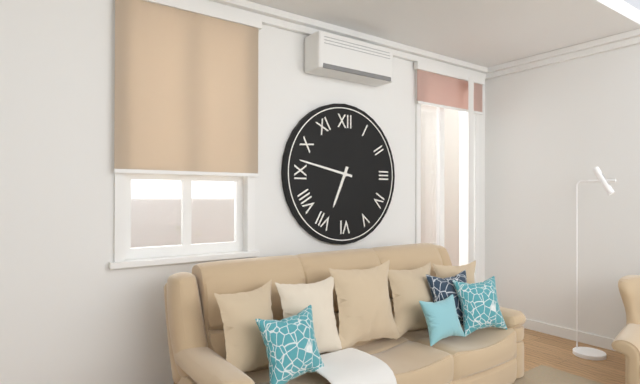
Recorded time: 6:47
